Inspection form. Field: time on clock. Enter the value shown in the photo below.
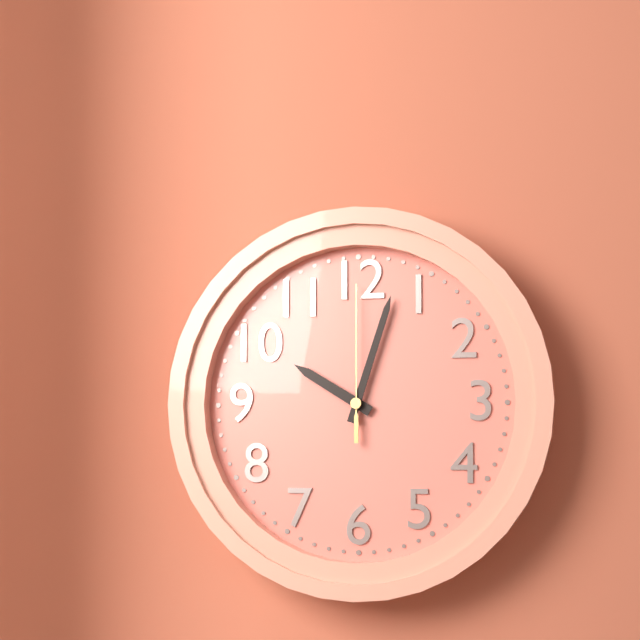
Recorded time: 10:03:00
